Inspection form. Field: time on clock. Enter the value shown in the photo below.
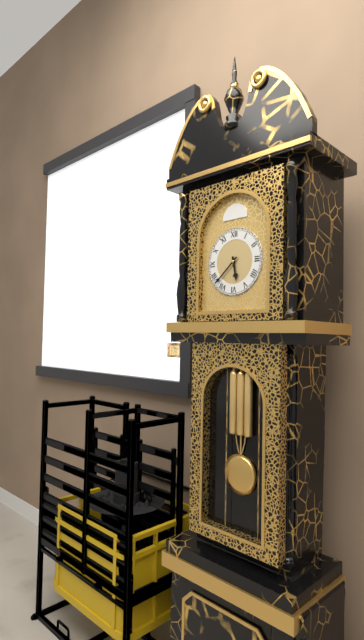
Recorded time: 5:38
